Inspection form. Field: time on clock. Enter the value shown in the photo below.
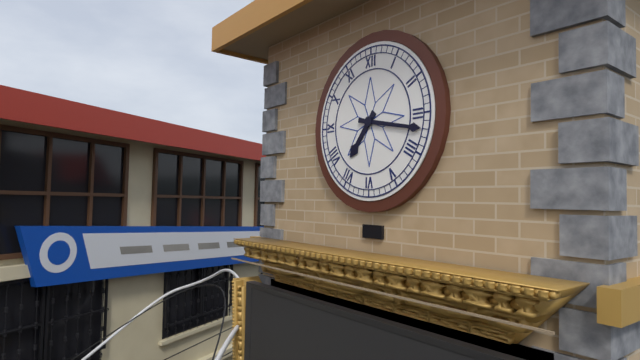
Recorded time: 7:17
